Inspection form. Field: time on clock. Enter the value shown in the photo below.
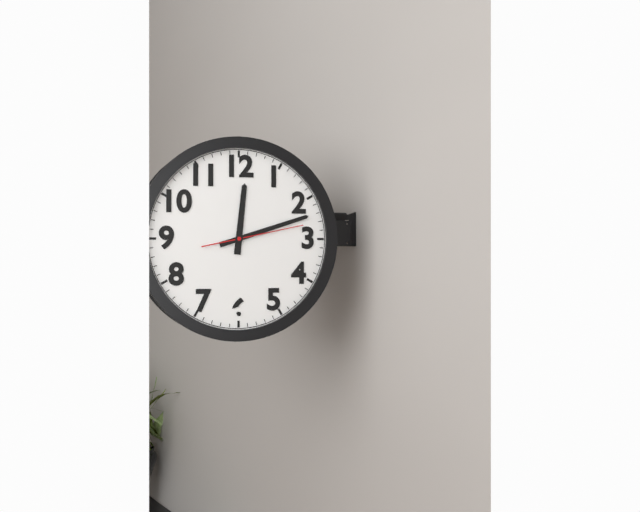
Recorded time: 12:12:13
